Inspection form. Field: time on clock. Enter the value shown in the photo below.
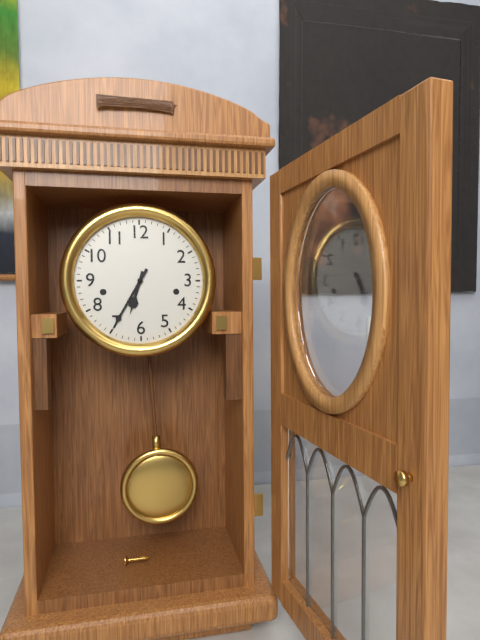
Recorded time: 6:35
